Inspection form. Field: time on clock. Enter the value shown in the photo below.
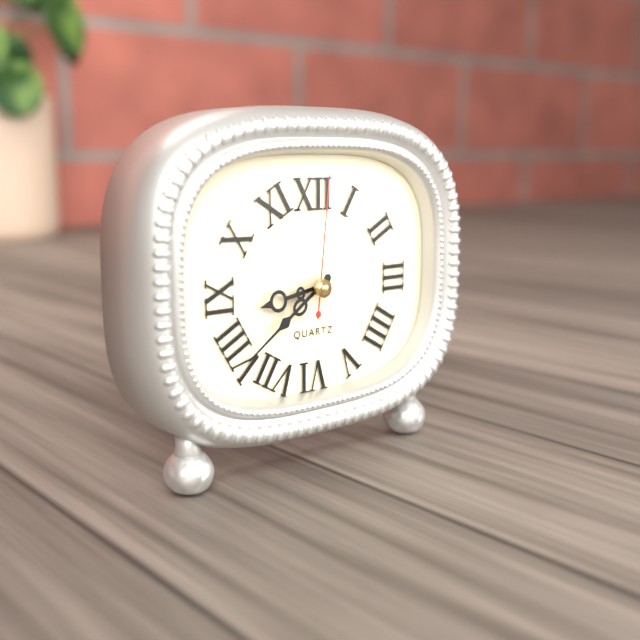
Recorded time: 8:39:01
